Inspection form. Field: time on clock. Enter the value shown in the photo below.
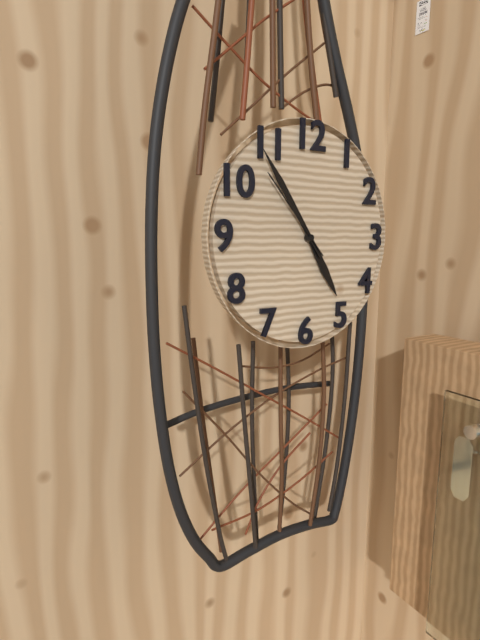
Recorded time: 4:54:53
